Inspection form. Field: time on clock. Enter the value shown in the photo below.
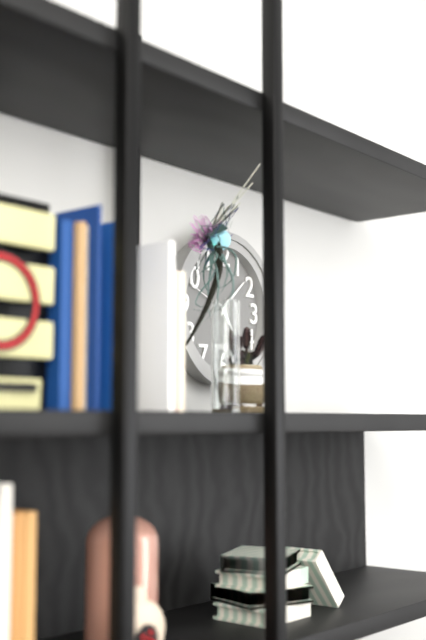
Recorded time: 4:08:49
